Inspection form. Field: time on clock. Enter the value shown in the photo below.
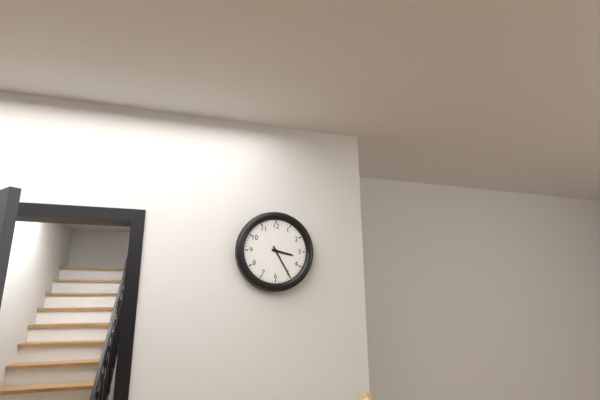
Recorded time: 3:25
